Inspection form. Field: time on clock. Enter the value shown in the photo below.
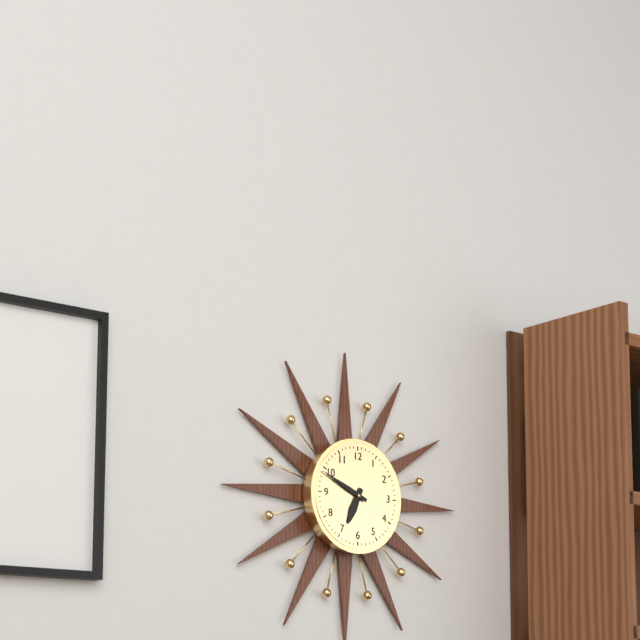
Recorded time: 6:49
